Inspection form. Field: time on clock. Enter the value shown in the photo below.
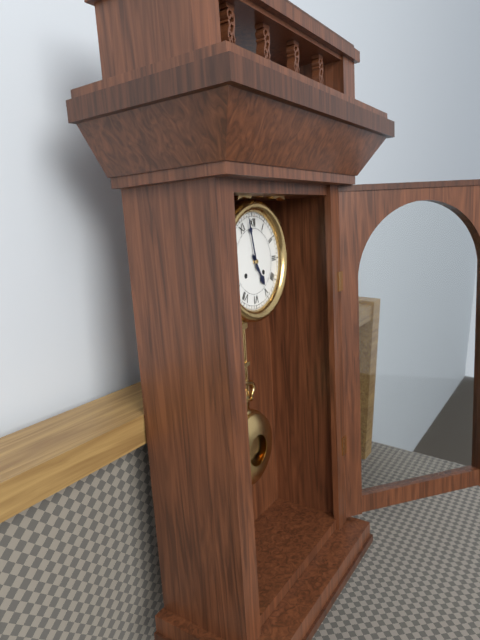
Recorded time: 4:58
